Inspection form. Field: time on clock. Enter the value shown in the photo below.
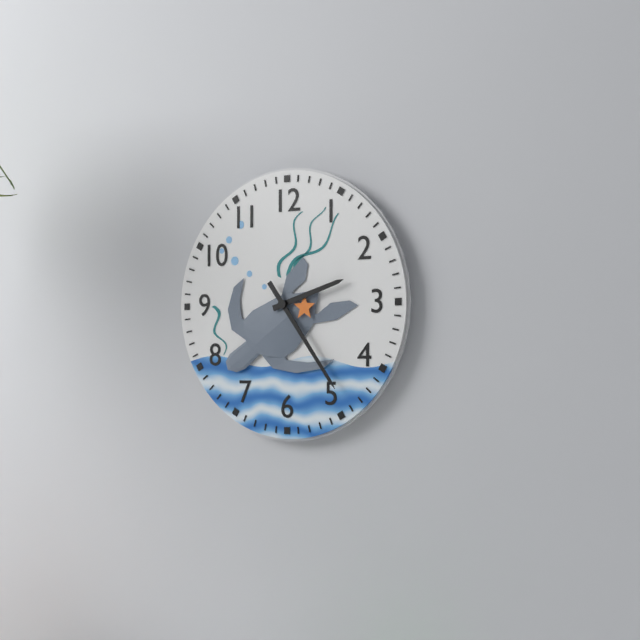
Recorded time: 2:24
